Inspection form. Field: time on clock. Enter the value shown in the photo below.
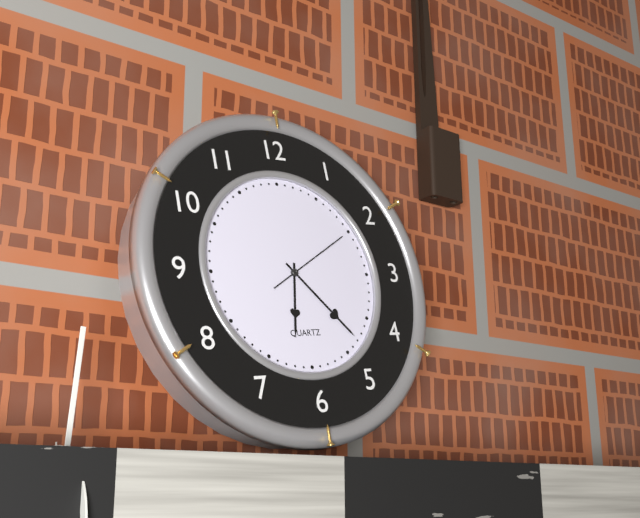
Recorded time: 6:23:10
